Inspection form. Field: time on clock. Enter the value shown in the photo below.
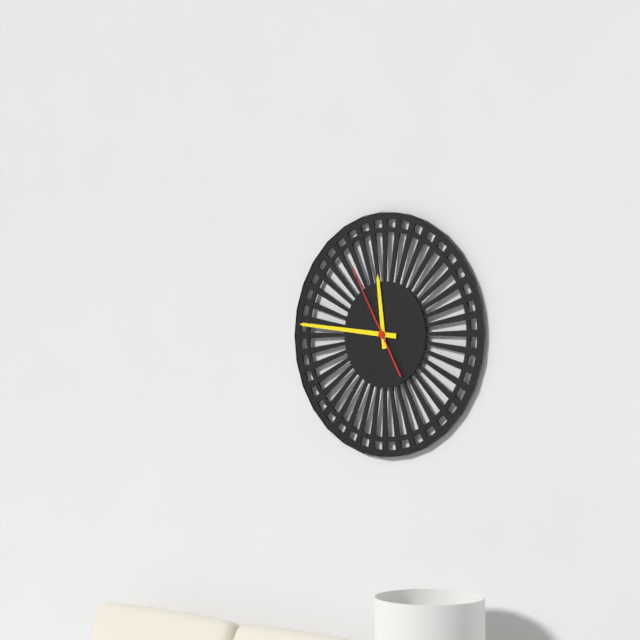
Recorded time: 11:46:55
